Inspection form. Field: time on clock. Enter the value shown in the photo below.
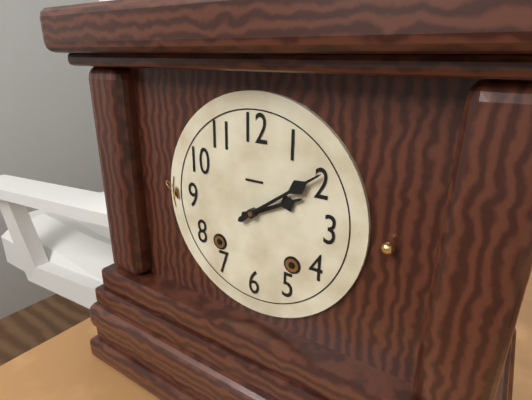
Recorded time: 2:09
